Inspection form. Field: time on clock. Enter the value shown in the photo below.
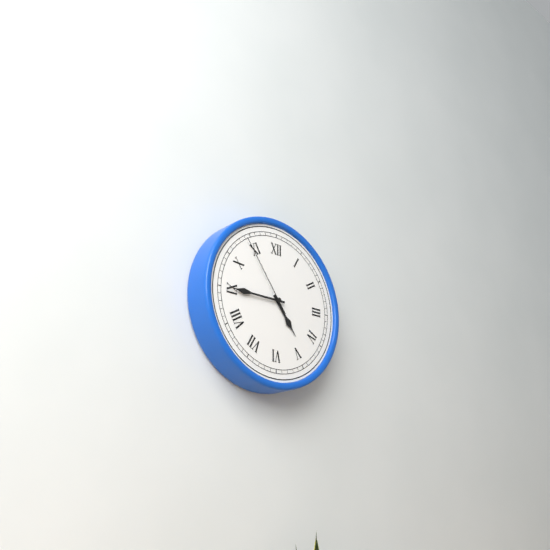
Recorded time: 4:45:54
